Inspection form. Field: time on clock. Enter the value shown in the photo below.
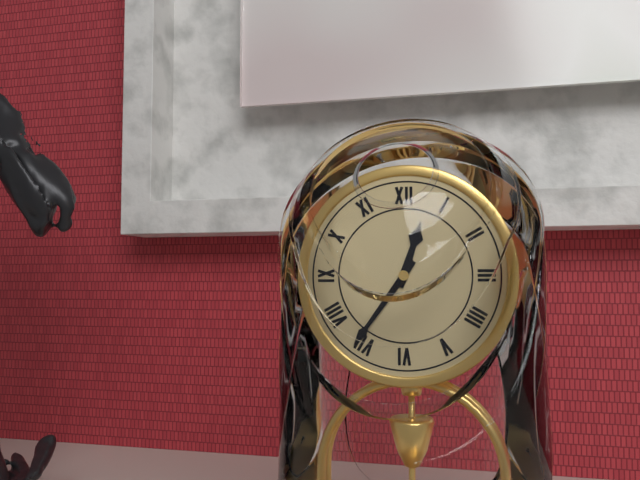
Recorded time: 12:36
